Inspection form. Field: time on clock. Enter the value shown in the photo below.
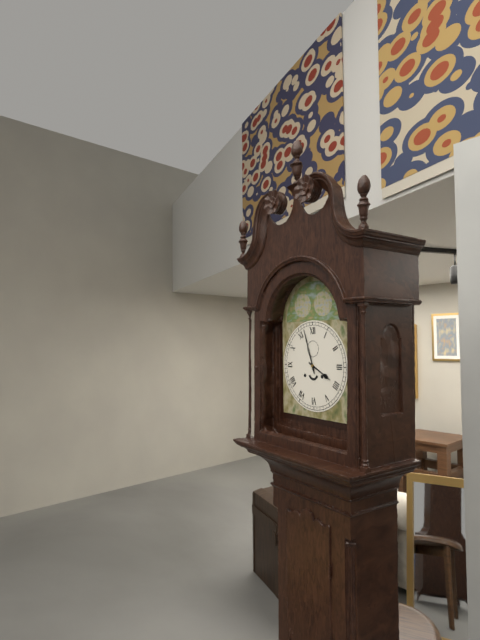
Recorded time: 3:57
